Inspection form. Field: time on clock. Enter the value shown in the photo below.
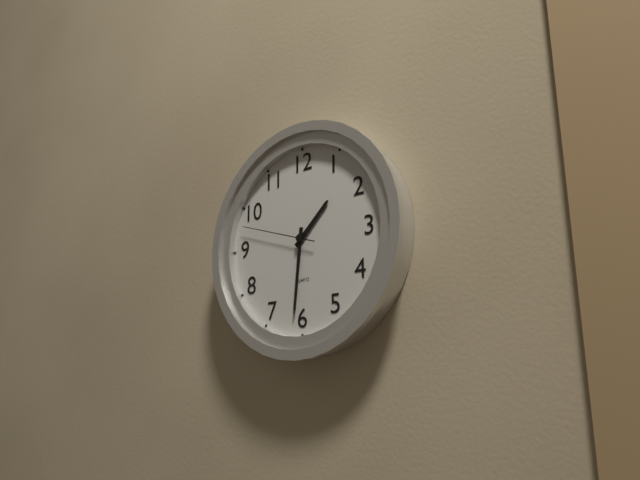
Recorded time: 1:31:48
